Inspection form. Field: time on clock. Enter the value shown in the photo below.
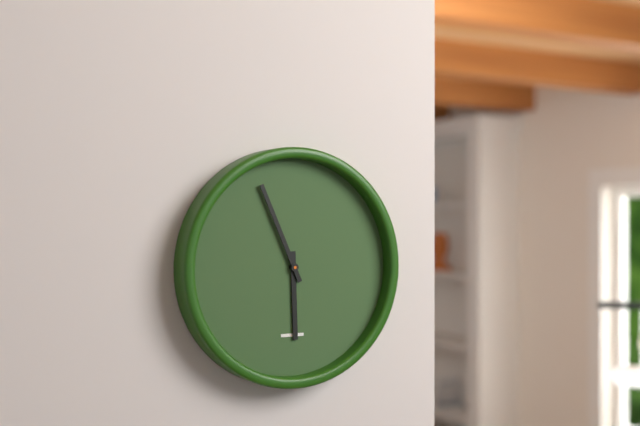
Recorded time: 5:56
